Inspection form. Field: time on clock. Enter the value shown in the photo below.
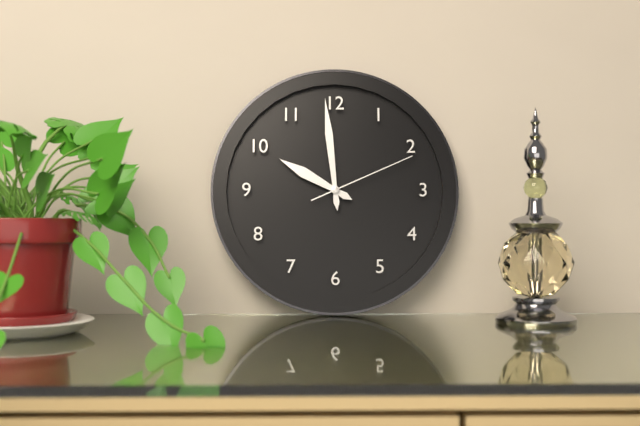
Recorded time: 9:59:11
